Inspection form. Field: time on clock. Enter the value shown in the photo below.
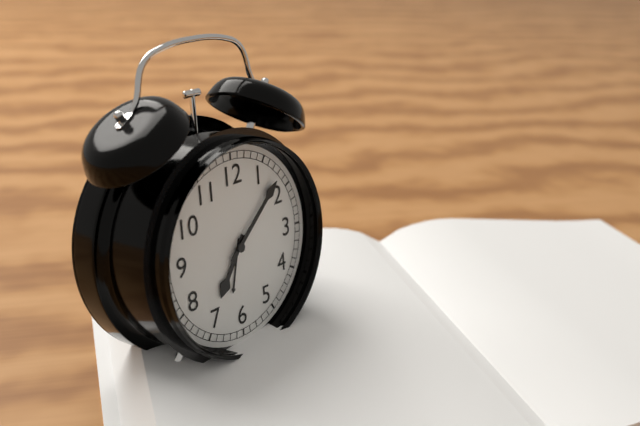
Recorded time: 7:08
